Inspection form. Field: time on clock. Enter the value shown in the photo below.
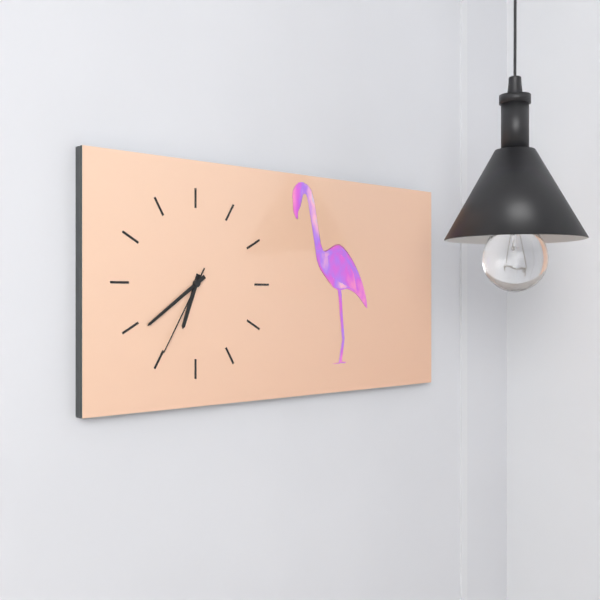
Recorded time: 6:39:35
